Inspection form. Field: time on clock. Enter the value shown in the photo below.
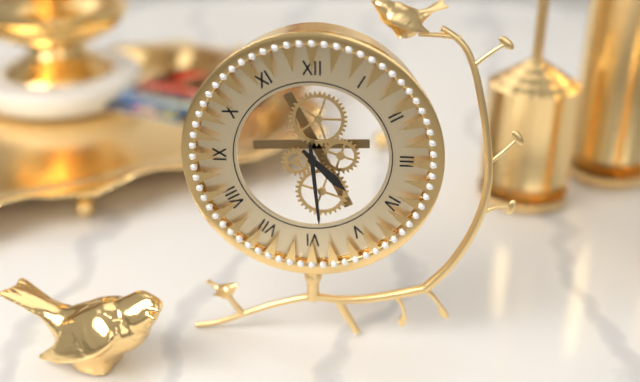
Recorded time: 4:29
